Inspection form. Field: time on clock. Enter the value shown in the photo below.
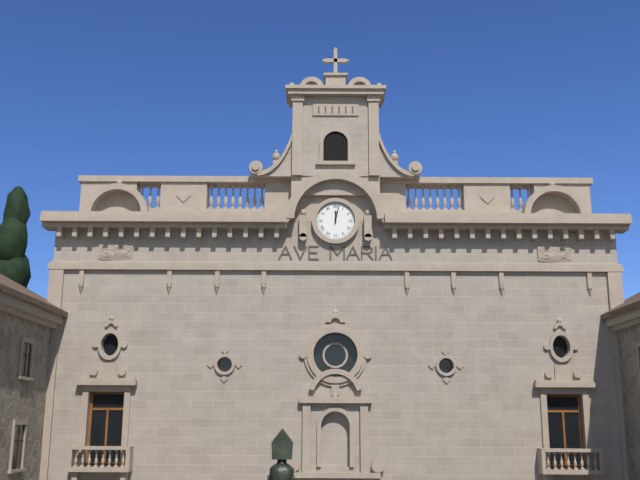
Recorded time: 12:02
